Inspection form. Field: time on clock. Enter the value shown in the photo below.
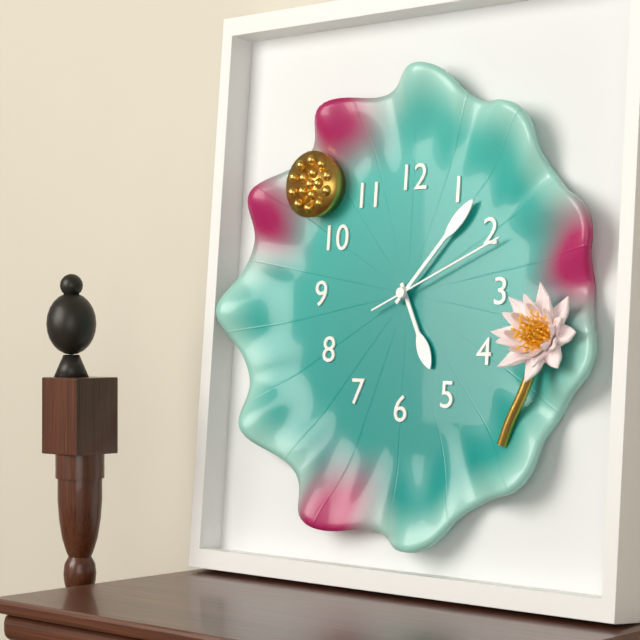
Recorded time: 5:07:11
